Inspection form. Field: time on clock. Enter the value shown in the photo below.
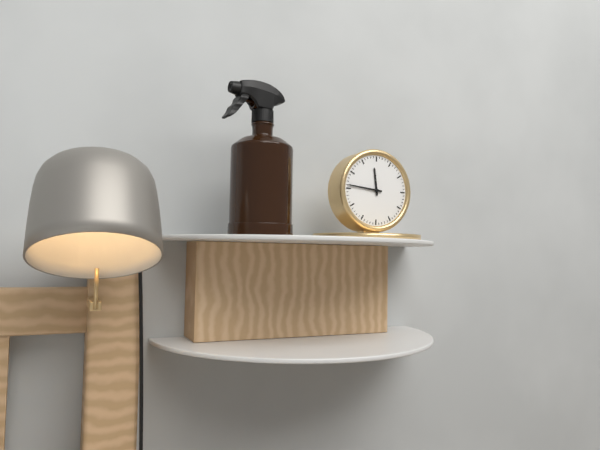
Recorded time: 11:46
